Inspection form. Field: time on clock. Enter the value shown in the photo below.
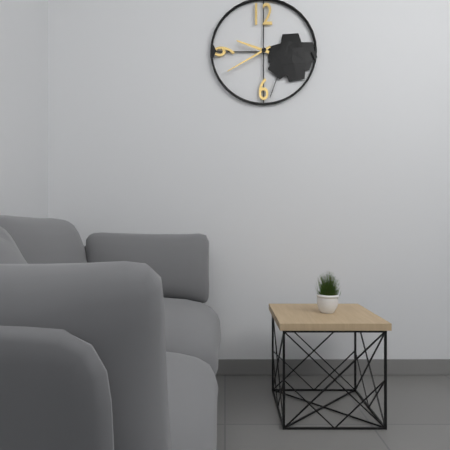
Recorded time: 9:40
